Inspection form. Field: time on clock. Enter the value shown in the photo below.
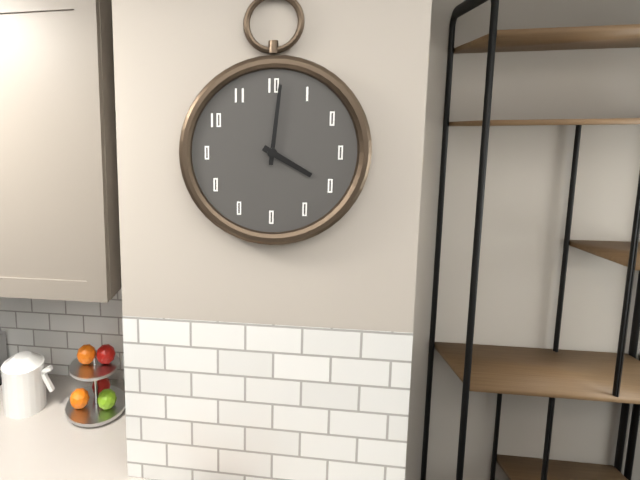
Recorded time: 4:01
